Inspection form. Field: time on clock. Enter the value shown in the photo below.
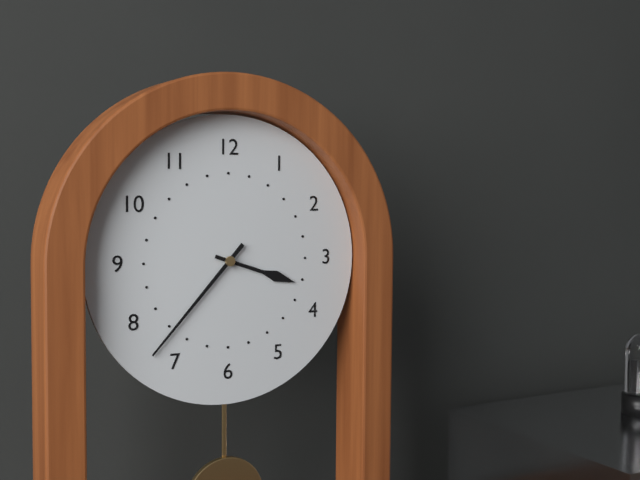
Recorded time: 3:37
